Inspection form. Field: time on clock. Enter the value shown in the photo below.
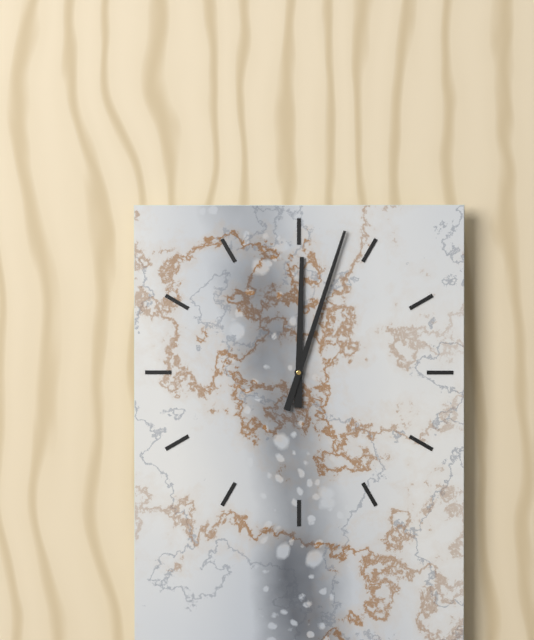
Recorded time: 12:03
